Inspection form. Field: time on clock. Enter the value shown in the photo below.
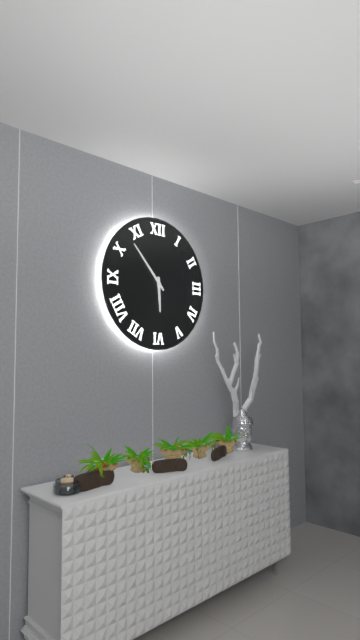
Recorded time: 5:53
